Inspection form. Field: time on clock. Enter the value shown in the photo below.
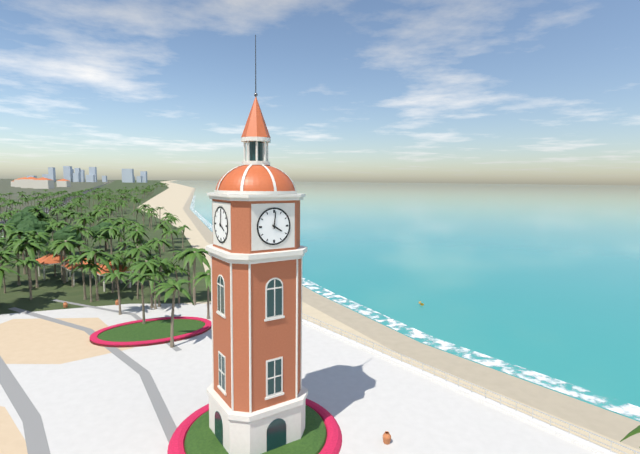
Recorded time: 4:01
